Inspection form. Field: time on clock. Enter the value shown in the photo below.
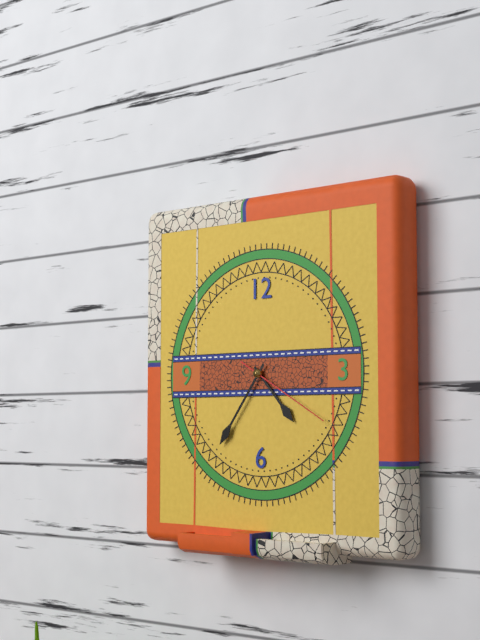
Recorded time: 4:36:20
